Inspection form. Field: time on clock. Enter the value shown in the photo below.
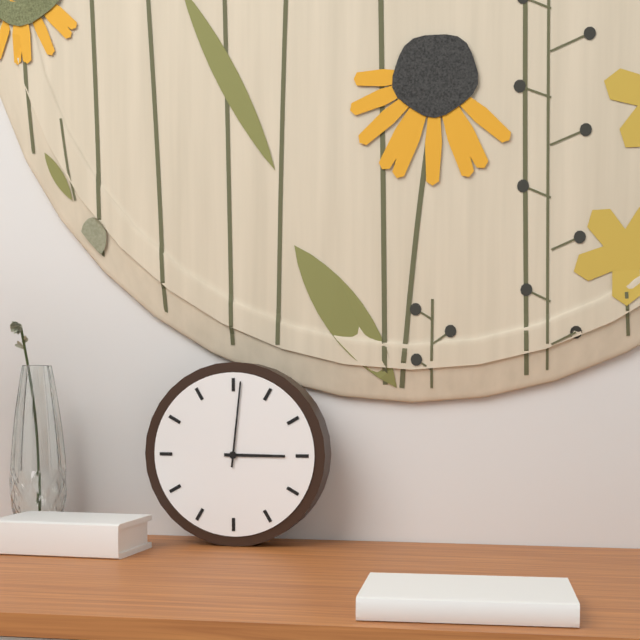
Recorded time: 3:01
